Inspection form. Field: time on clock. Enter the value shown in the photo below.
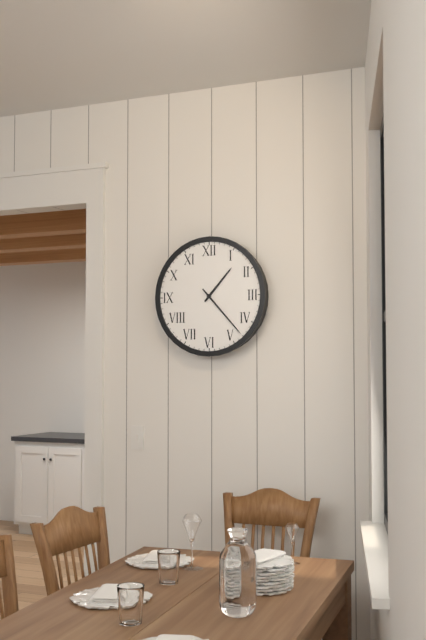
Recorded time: 1:23
